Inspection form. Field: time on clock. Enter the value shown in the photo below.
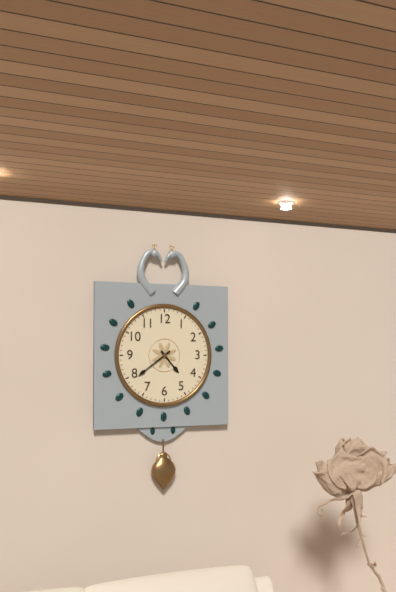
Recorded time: 4:39
